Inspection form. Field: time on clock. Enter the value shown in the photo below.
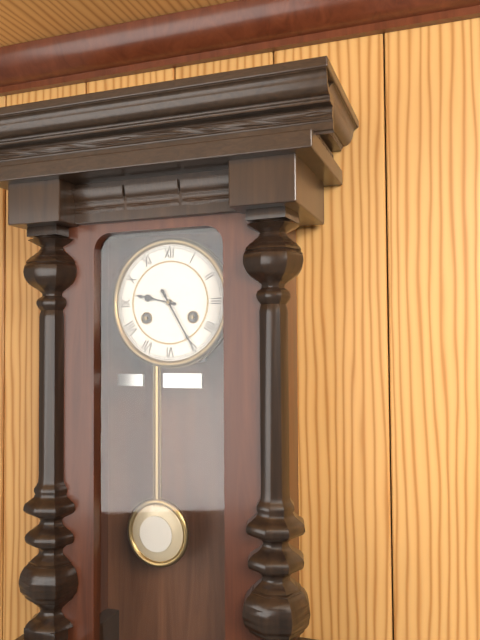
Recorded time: 9:25
